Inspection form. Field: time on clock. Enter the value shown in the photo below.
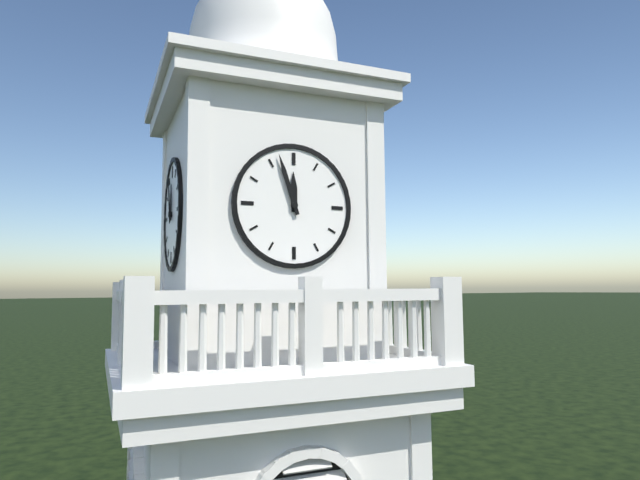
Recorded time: 11:57
